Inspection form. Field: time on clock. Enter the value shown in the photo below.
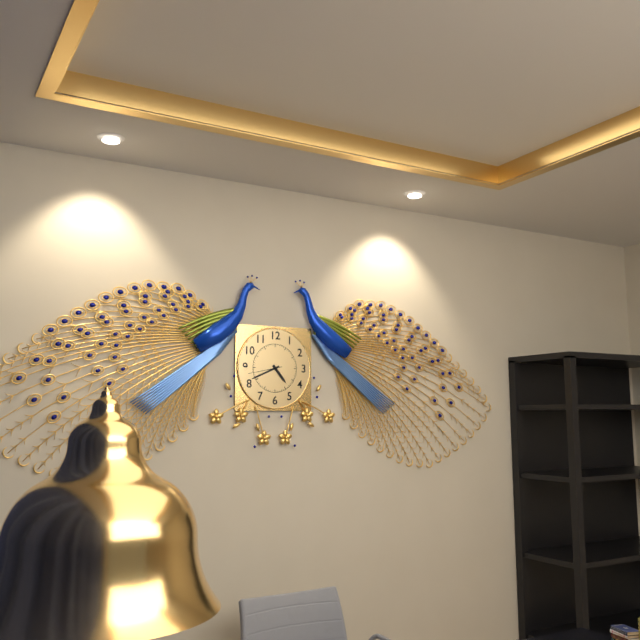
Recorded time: 4:41
